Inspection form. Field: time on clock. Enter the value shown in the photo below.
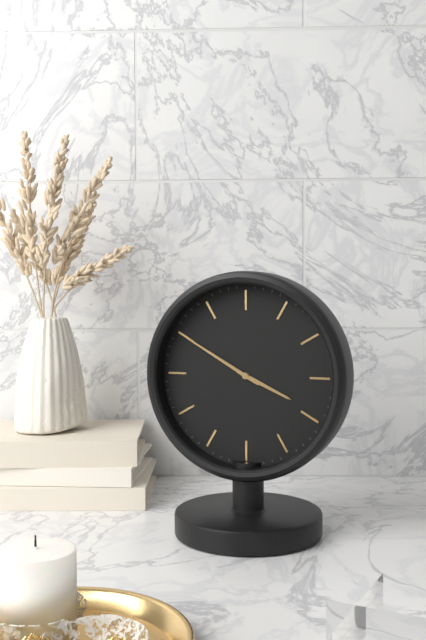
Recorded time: 3:50
